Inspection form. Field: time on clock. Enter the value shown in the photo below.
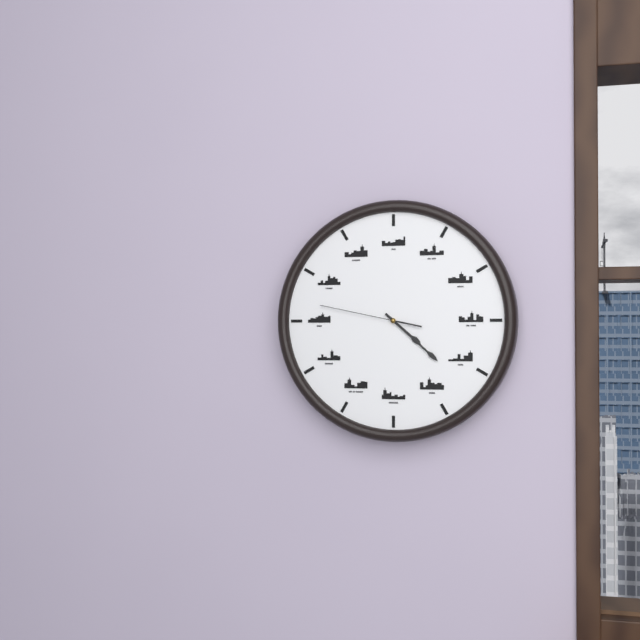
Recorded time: 4:22:47
